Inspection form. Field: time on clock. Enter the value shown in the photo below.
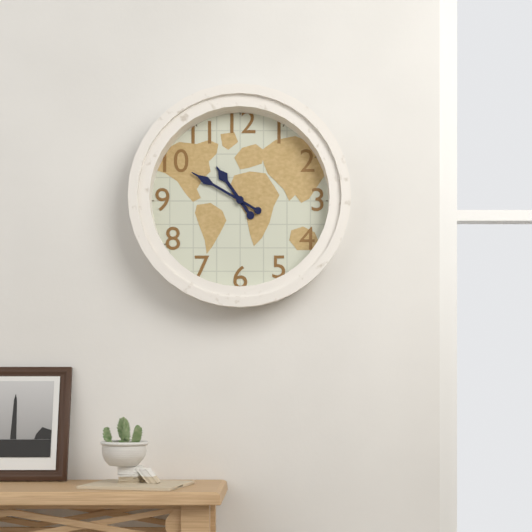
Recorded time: 10:50
